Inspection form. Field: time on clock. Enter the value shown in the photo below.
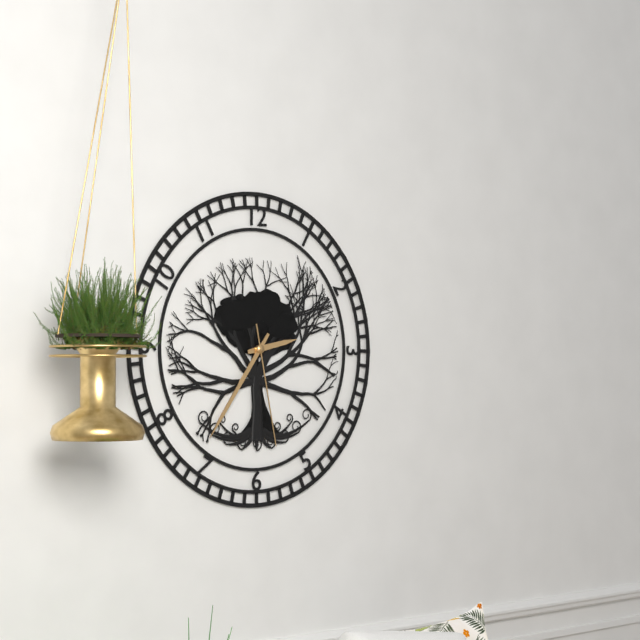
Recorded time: 2:36:28
